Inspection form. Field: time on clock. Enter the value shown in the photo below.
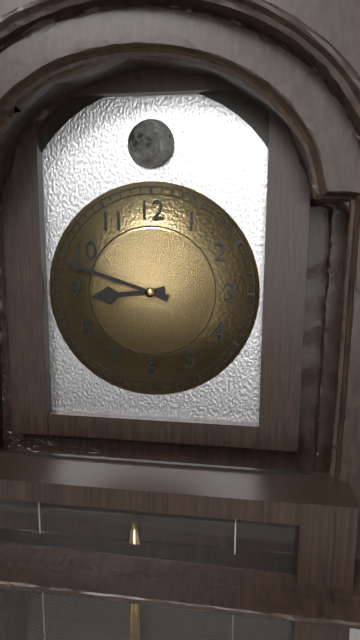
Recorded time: 8:48
